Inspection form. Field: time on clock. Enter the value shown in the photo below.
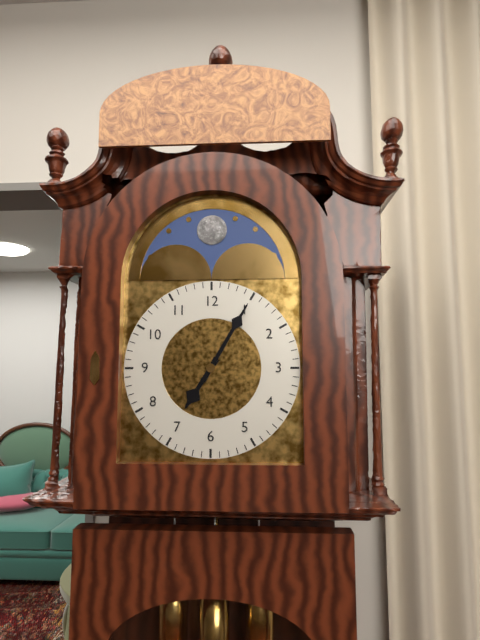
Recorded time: 7:05
